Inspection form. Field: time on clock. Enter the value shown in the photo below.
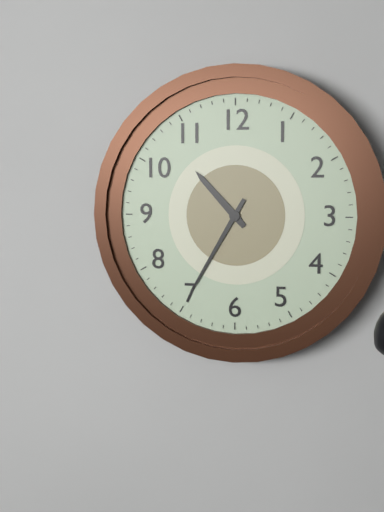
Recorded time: 10:35
